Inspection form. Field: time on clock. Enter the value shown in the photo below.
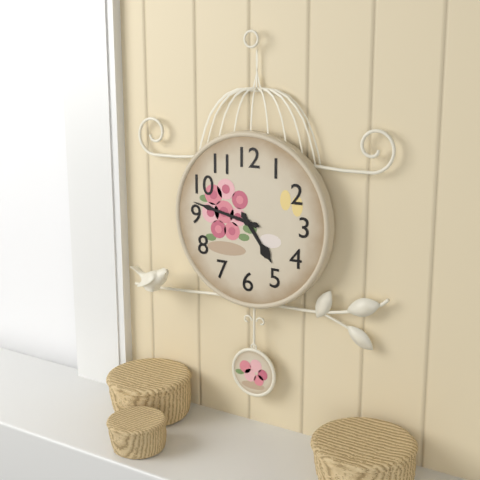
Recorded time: 4:47
